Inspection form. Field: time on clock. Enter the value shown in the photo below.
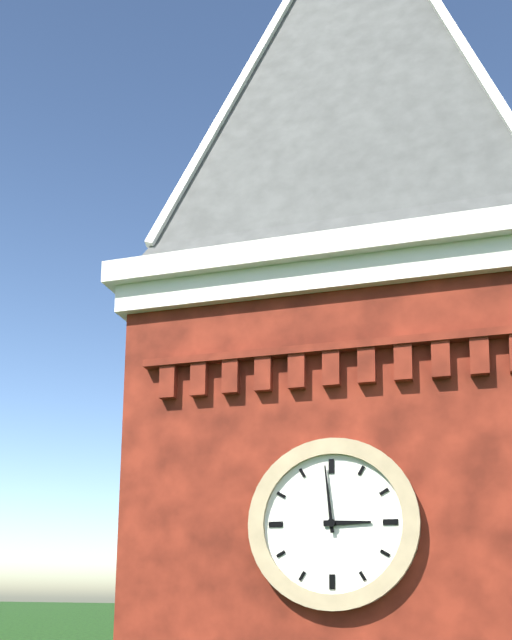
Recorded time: 2:59
